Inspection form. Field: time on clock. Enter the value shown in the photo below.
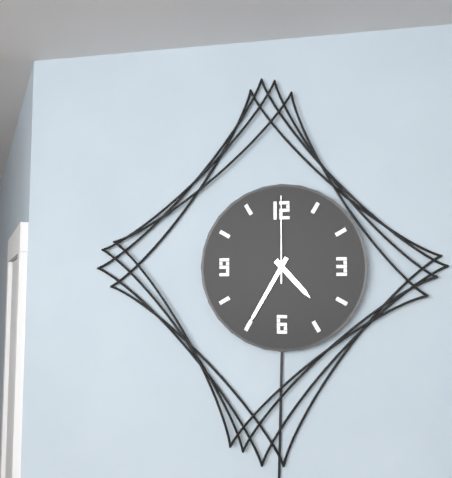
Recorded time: 4:35:00
